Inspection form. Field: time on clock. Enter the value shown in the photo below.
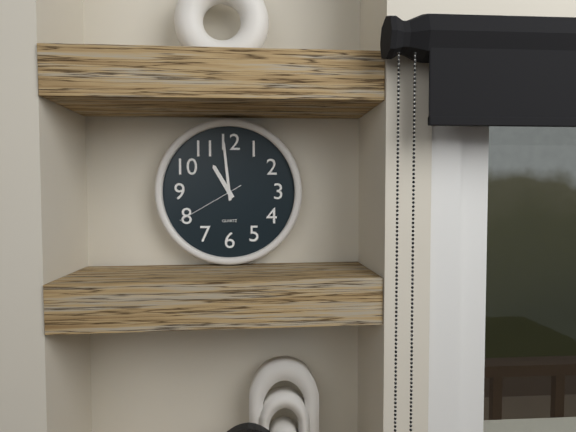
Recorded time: 10:59:40
